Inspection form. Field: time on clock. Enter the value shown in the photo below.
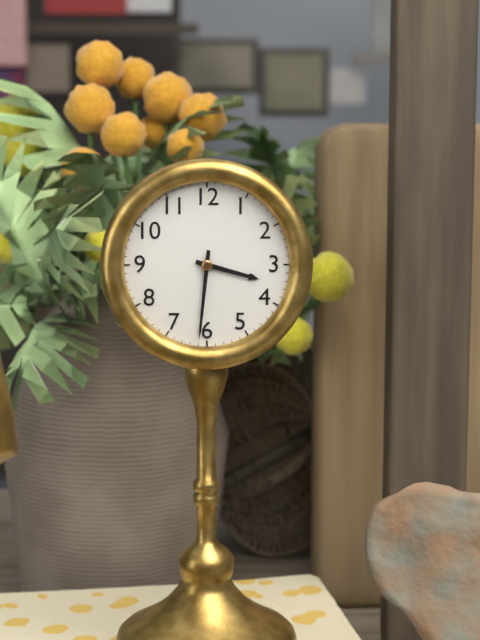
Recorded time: 3:31
